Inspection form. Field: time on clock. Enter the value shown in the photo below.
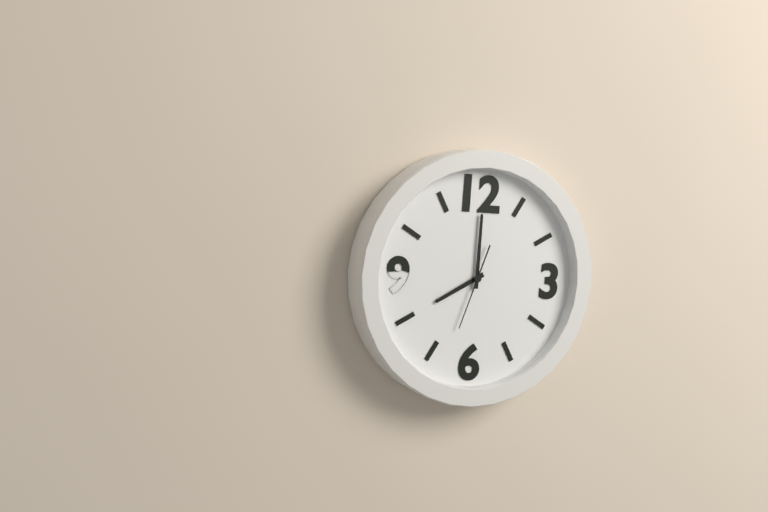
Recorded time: 8:00:33
